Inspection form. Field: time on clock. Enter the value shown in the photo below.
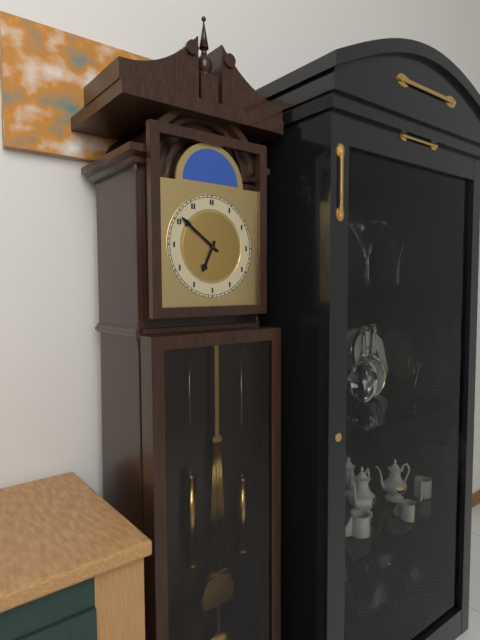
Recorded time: 6:51
